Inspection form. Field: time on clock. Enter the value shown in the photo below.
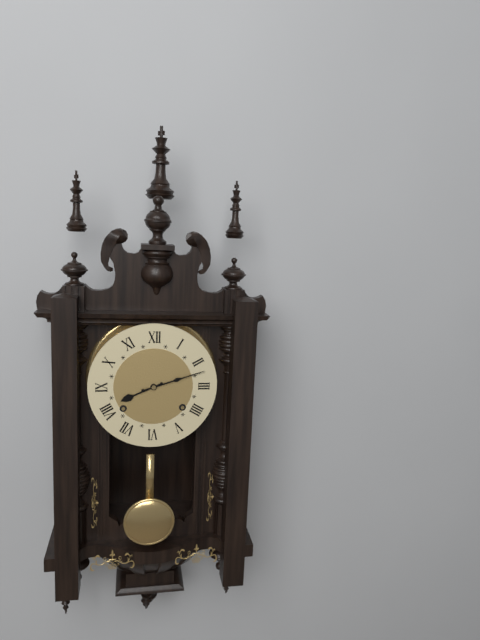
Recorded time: 8:12
